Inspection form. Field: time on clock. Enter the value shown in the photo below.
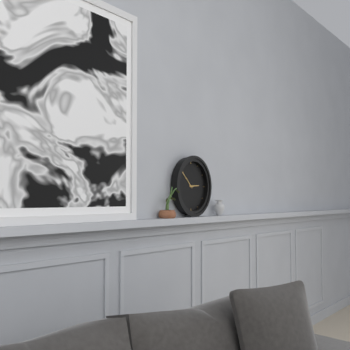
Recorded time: 2:52
